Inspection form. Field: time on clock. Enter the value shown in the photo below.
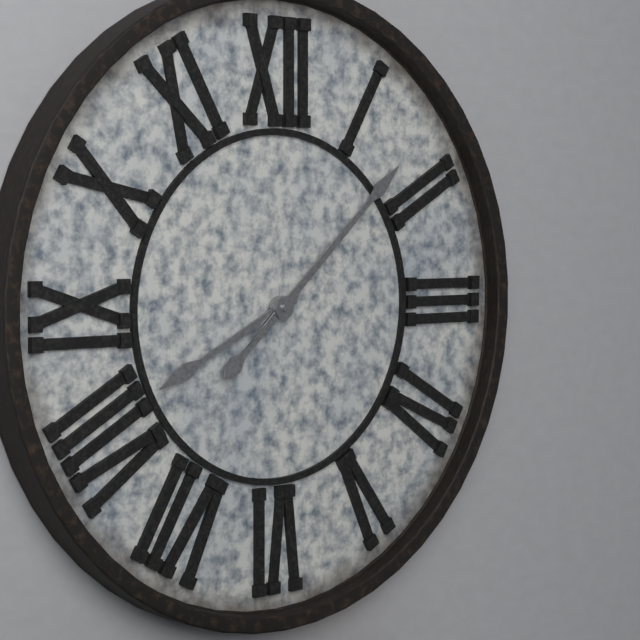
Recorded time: 8:08
